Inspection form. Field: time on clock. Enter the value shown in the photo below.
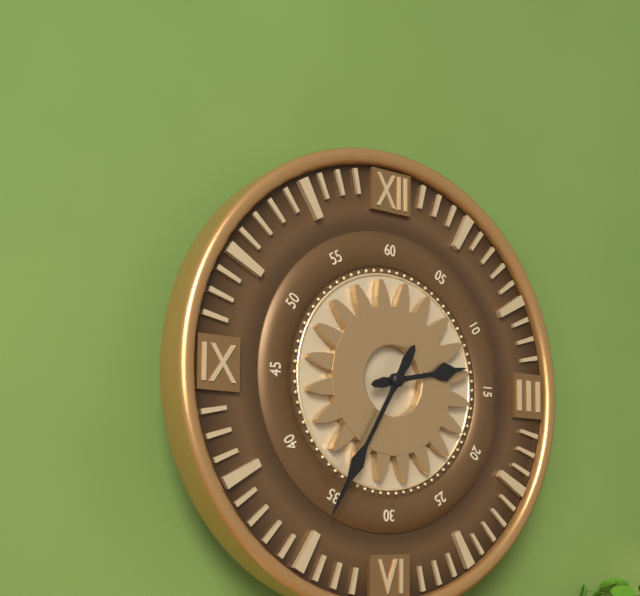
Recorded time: 2:35
